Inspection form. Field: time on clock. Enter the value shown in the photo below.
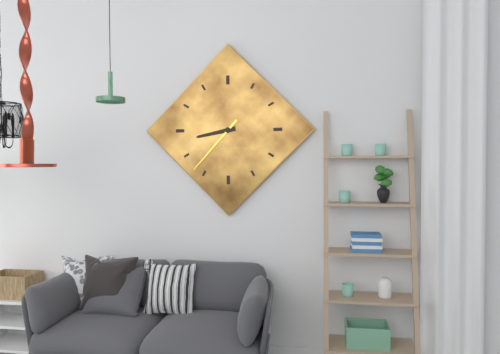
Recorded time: 8:37
